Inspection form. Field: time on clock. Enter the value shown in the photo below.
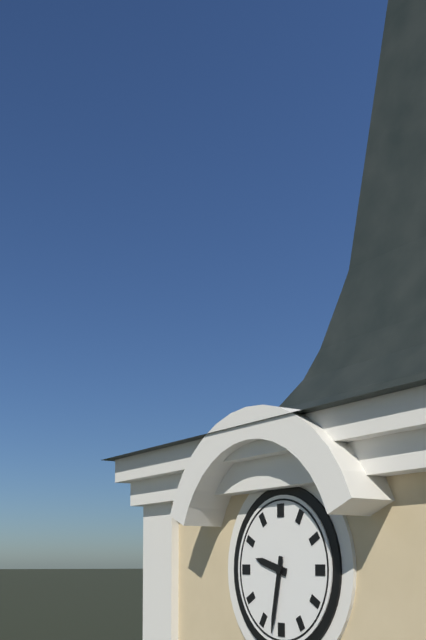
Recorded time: 9:32
